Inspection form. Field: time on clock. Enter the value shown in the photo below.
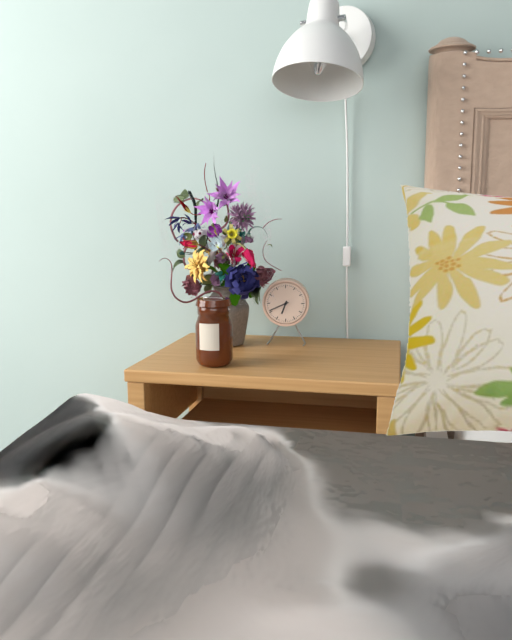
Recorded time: 6:41
